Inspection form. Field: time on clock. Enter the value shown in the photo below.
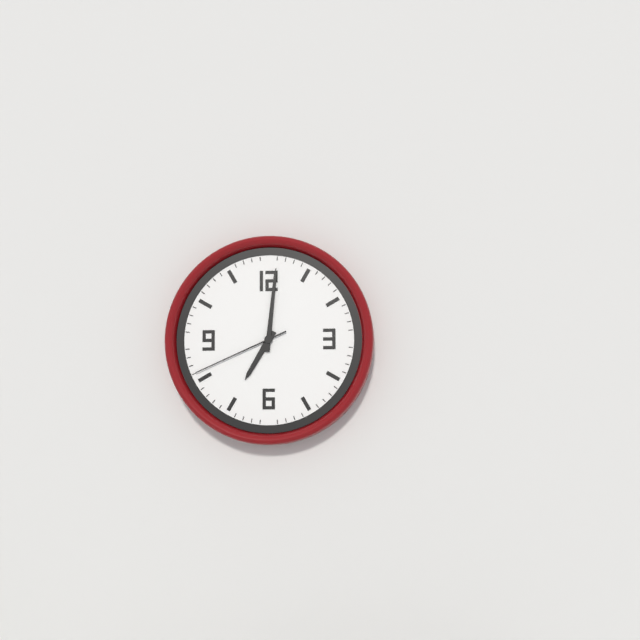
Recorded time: 7:01:41
